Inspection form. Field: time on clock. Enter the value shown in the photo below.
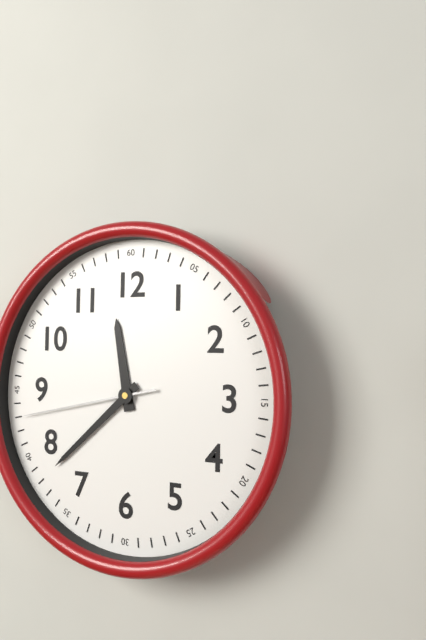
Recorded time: 11:38:43
